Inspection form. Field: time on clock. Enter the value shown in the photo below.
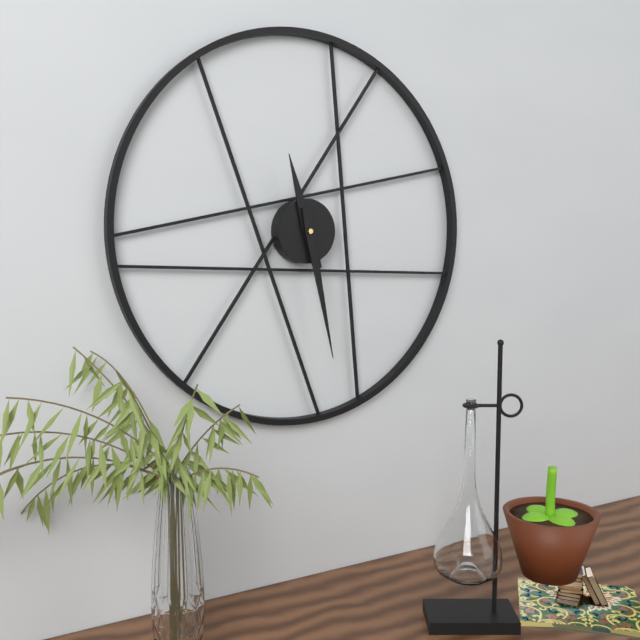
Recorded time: 11:28
